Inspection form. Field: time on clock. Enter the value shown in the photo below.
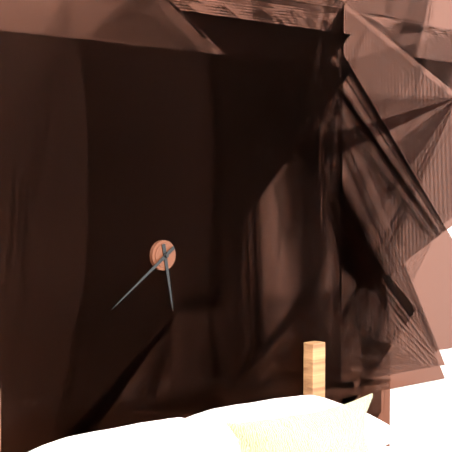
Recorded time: 5:39
